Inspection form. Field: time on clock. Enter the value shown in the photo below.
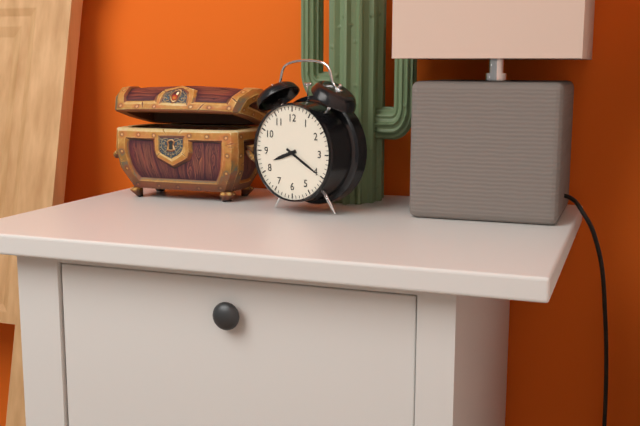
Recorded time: 8:20
